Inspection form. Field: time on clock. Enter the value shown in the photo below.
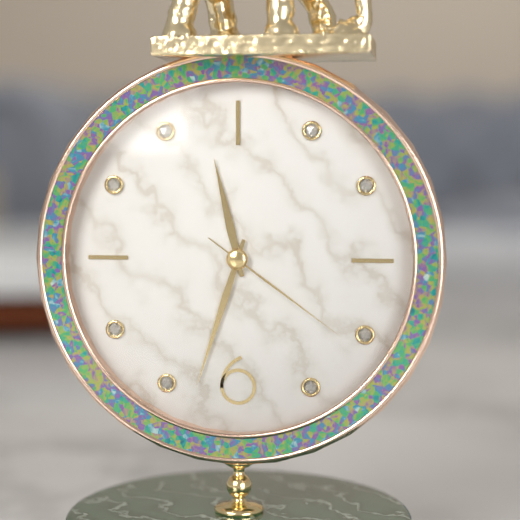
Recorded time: 11:33:21
